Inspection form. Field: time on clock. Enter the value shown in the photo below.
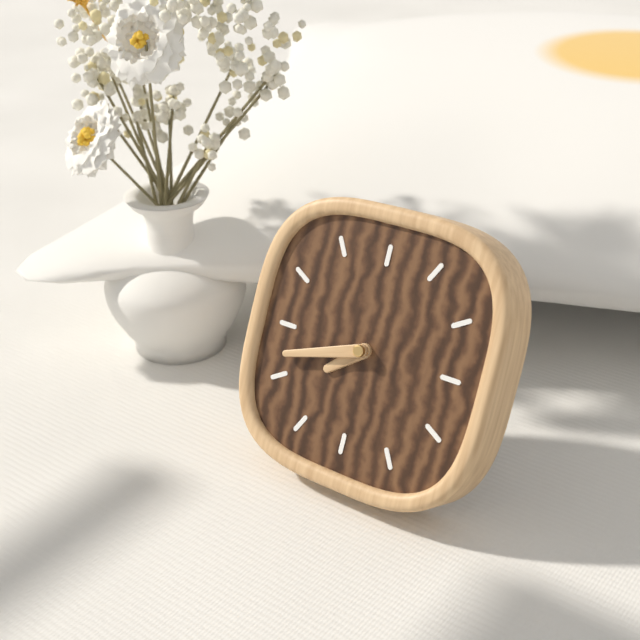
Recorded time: 7:42
